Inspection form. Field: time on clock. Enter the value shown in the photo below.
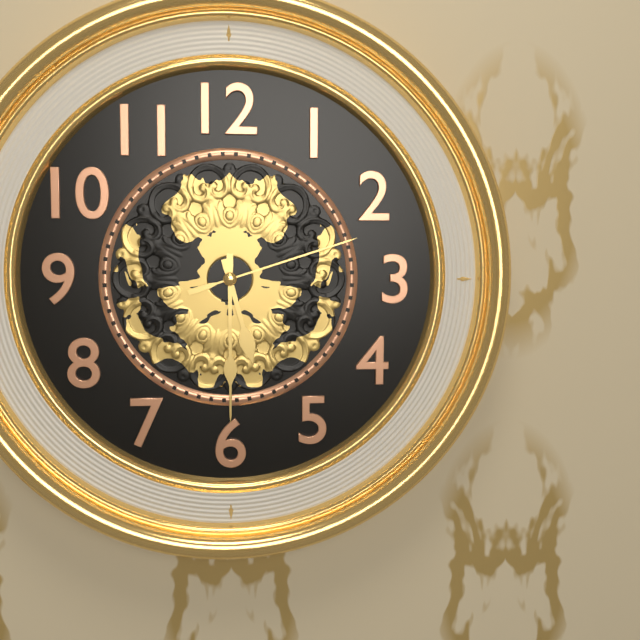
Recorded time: 5:30:12
